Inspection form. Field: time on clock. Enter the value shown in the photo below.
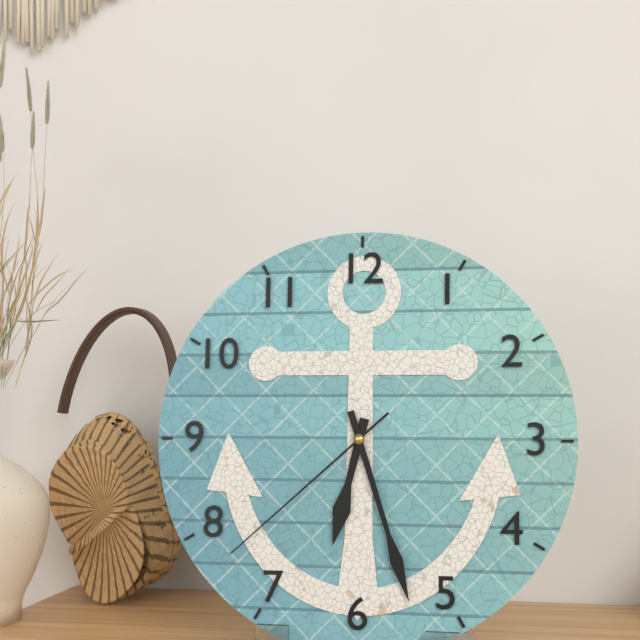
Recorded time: 6:27:38
